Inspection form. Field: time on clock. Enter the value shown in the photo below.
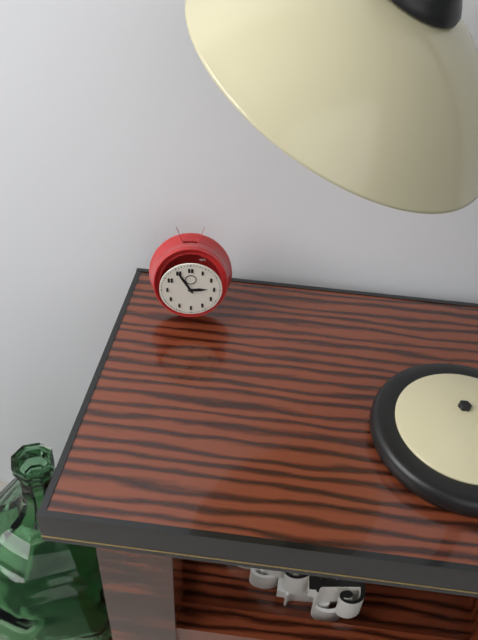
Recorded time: 2:55
